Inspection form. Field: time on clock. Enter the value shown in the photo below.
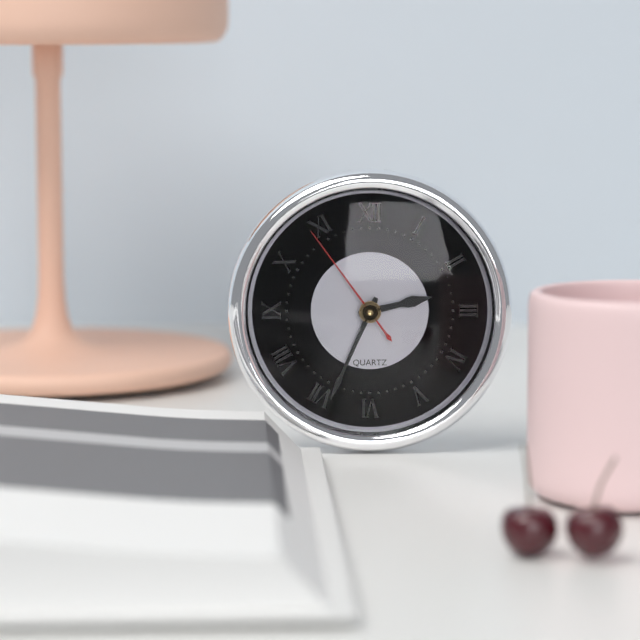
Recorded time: 2:34:54
